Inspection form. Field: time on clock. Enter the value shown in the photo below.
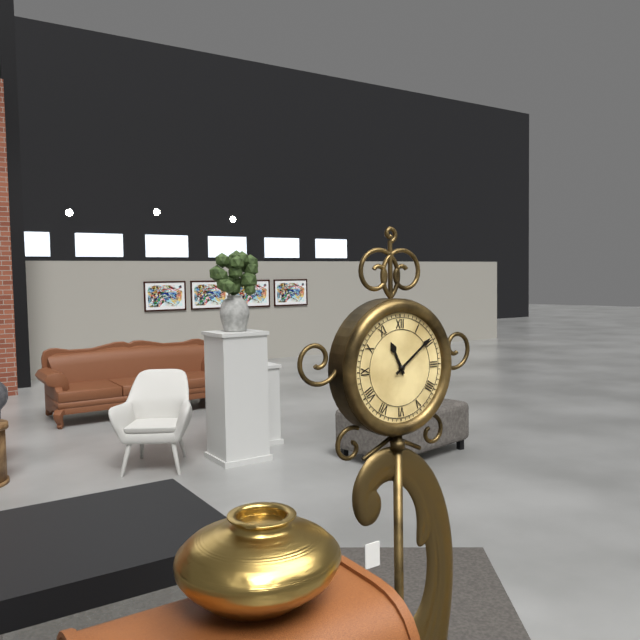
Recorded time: 11:09
